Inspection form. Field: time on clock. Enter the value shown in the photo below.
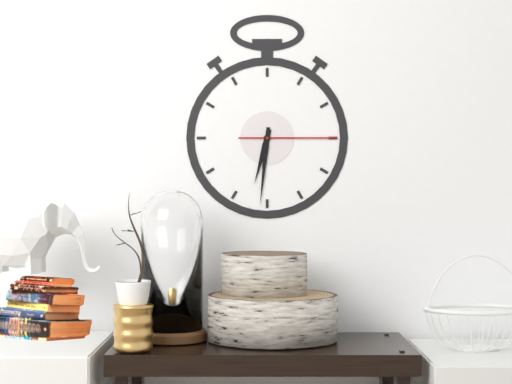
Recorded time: 6:31:15
